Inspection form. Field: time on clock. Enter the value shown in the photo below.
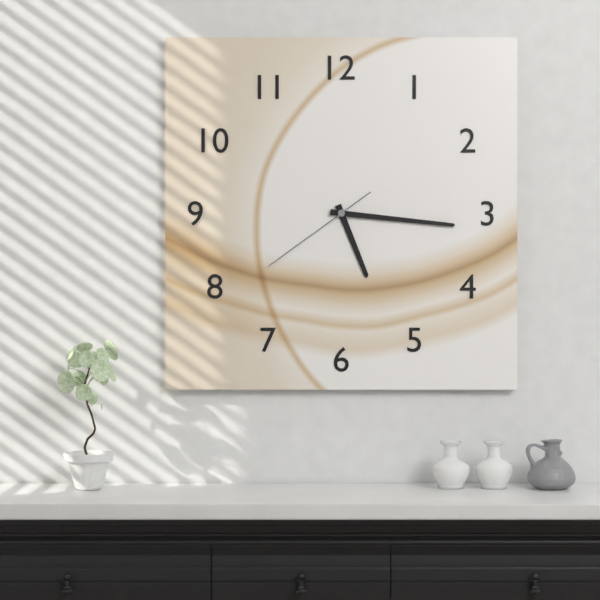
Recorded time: 5:16:39
